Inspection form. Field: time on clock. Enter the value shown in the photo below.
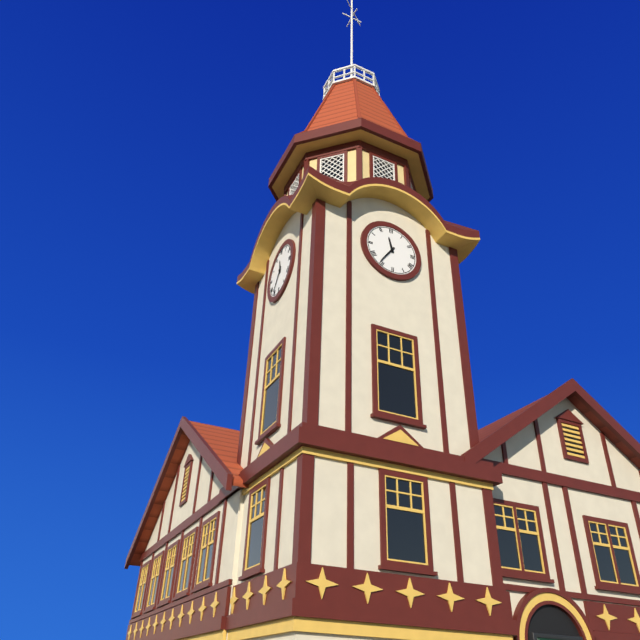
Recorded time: 11:36
